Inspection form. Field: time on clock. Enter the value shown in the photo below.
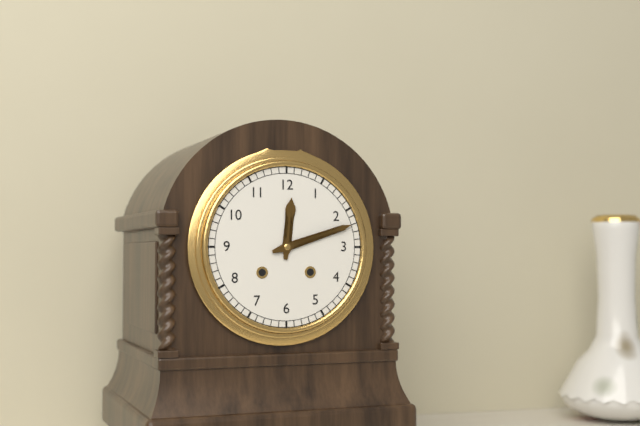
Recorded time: 12:12
